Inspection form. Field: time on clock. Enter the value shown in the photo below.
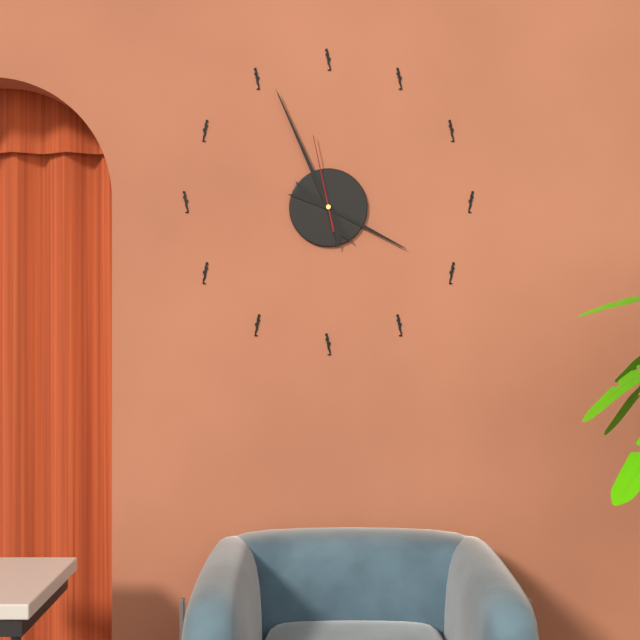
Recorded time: 3:56:58
